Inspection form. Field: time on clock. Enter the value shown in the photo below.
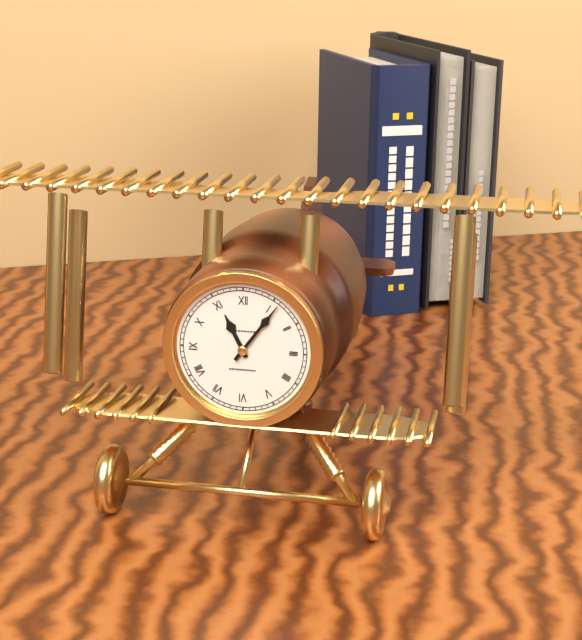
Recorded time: 11:06
